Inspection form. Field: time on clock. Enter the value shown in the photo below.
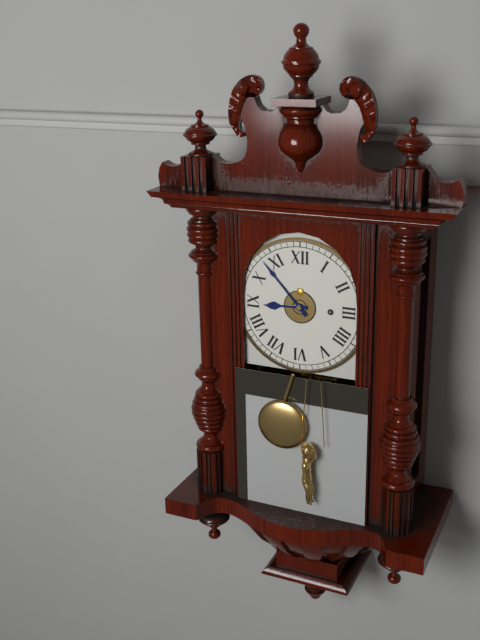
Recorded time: 8:53
